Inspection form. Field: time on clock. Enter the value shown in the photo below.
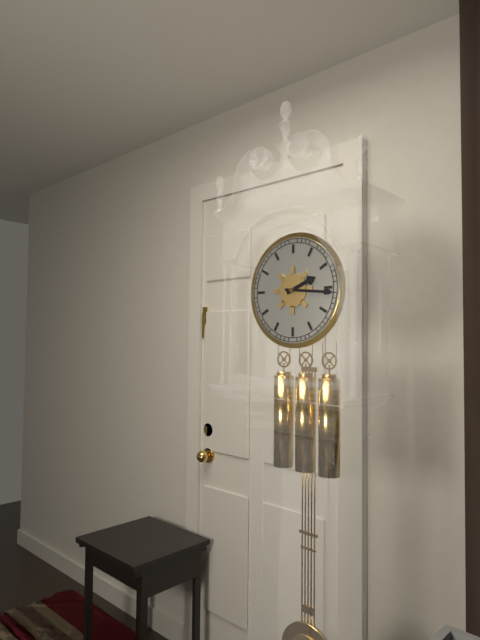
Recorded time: 2:16
